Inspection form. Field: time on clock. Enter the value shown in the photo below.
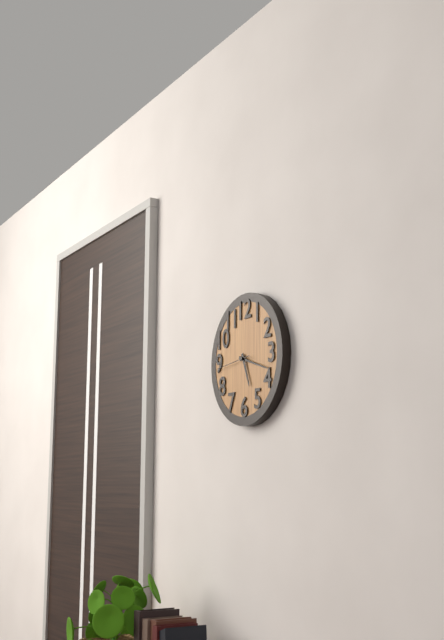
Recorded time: 5:18
